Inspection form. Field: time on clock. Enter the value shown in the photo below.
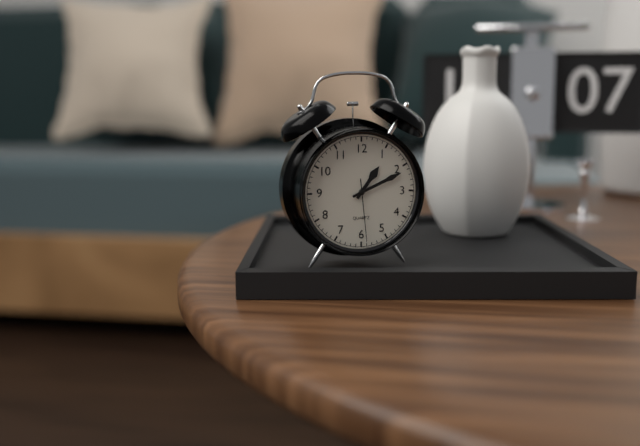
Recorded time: 1:11:29
